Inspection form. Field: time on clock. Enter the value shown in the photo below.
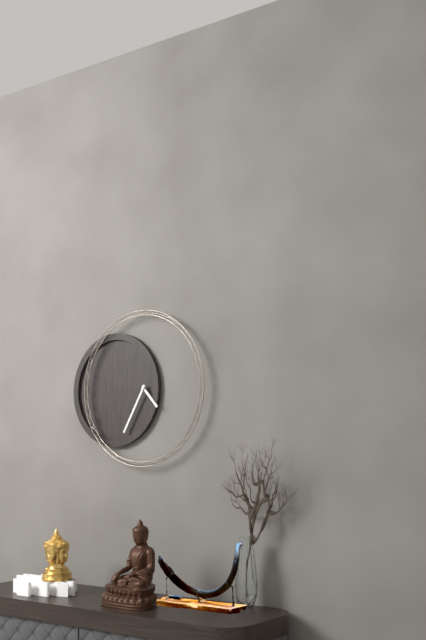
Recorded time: 4:35
